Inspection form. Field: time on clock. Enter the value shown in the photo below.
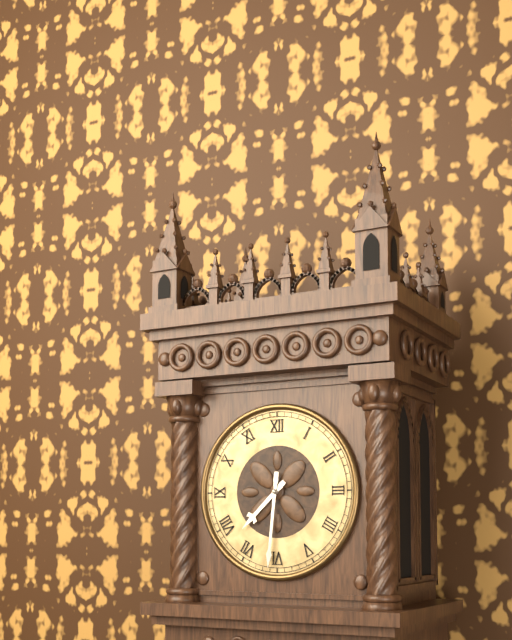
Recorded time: 7:31
